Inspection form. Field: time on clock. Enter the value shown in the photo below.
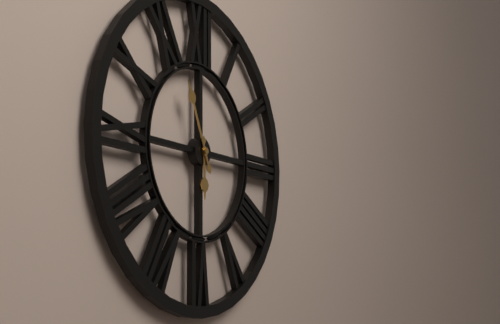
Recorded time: 5:56
